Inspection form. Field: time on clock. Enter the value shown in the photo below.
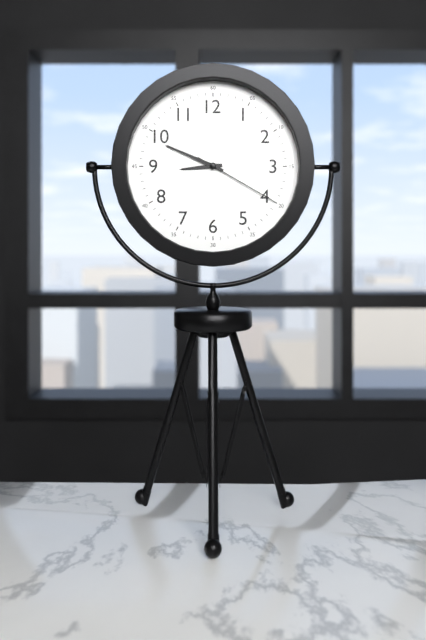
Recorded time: 8:49:20
